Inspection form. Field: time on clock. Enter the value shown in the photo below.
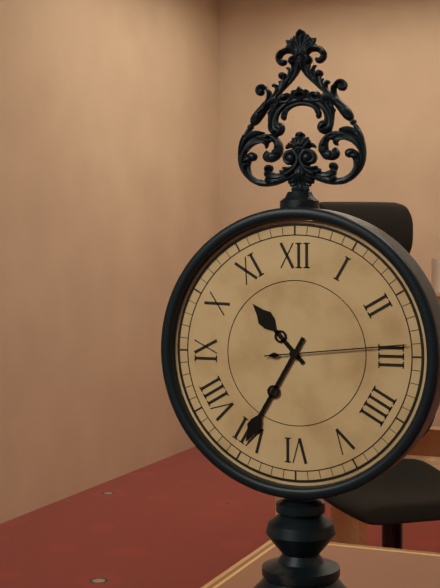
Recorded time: 10:35:14
